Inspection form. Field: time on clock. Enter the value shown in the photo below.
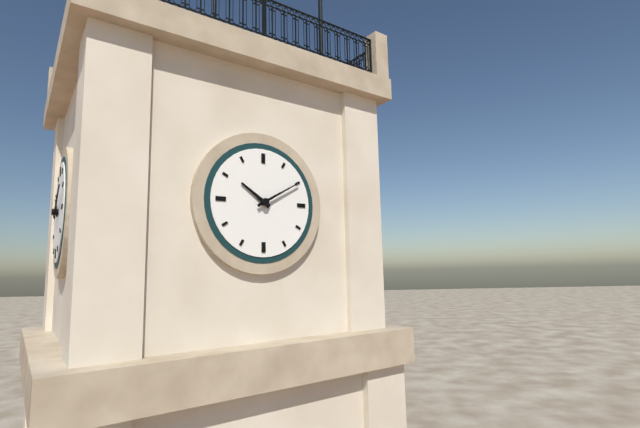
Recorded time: 10:10
